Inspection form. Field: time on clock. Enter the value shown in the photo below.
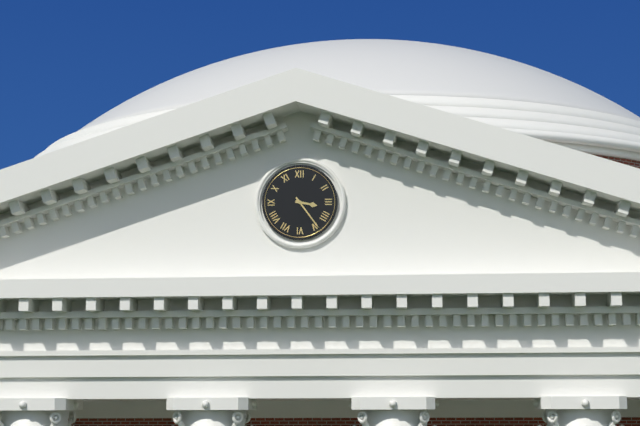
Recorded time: 3:24
